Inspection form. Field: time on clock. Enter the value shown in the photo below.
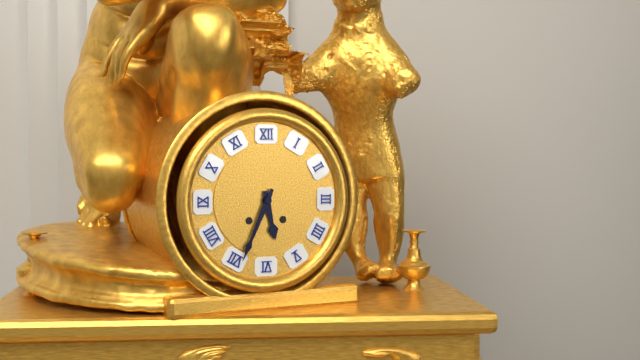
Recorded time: 5:34
